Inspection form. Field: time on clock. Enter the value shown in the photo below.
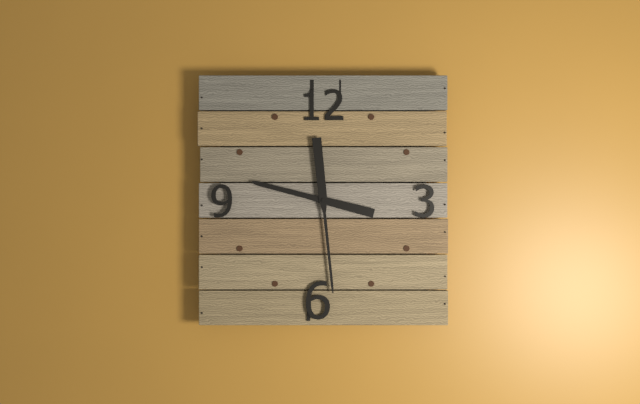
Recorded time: 9:29
